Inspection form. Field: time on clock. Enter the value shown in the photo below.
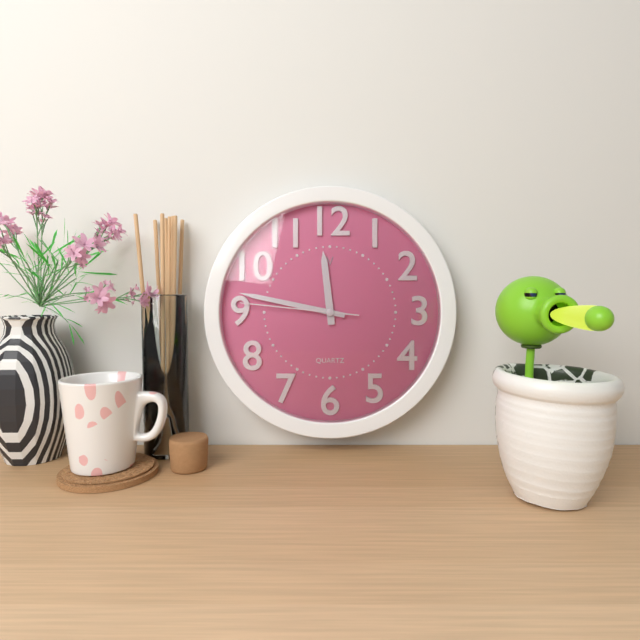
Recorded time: 11:47:46
